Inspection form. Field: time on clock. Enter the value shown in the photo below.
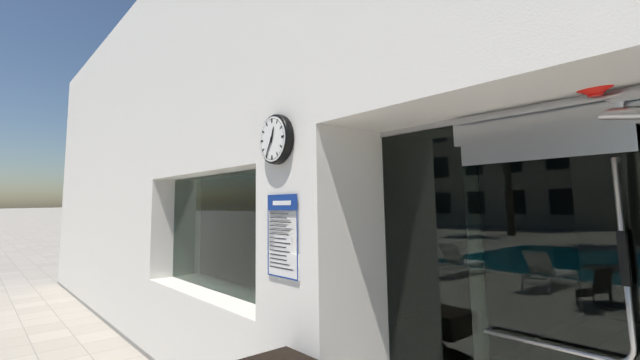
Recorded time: 12:35
